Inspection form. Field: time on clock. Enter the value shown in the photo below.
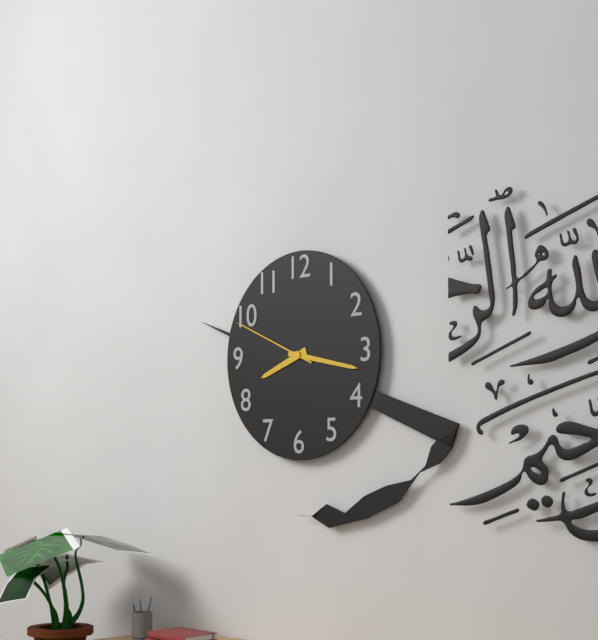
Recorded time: 8:17:49
